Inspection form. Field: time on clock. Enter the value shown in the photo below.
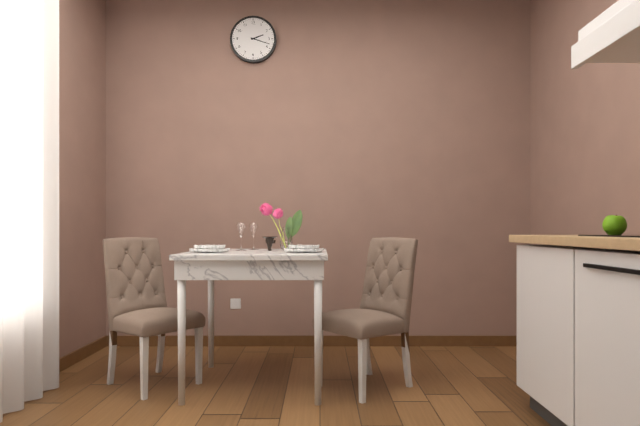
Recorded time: 2:18
